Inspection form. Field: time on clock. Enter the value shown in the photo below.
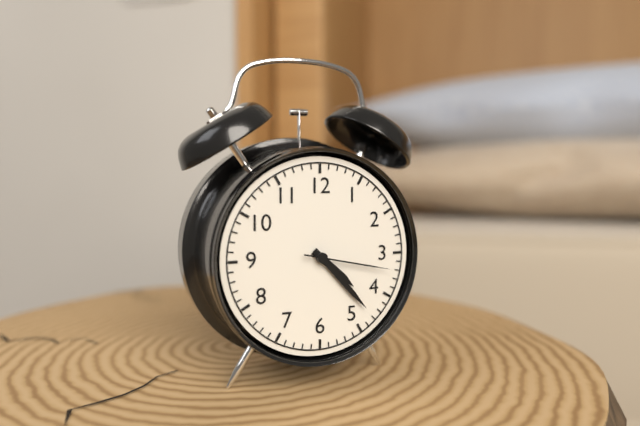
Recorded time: 4:23:17
